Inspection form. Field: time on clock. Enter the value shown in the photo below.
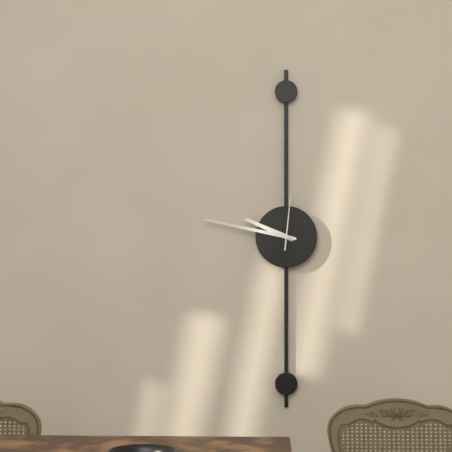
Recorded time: 9:47:01
